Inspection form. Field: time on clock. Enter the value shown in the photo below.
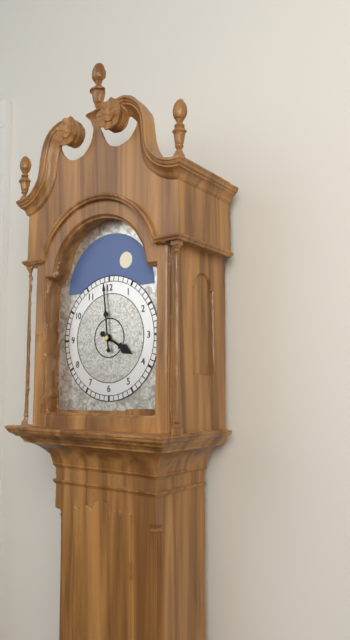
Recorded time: 3:59
